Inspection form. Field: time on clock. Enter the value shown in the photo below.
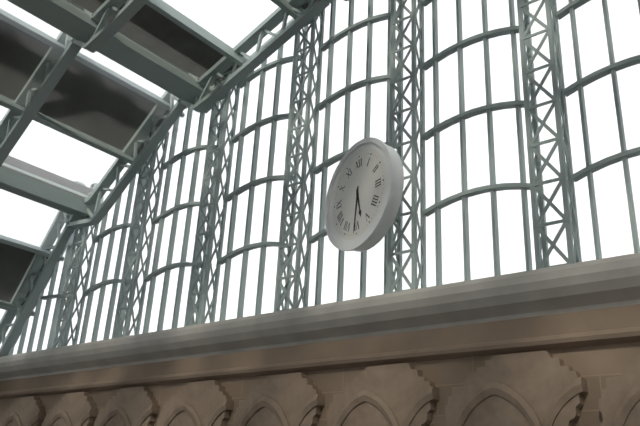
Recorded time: 5:31
